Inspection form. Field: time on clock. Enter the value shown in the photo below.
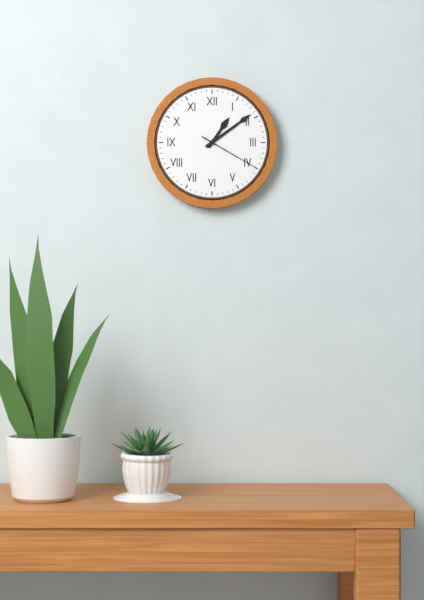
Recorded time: 1:09:20
